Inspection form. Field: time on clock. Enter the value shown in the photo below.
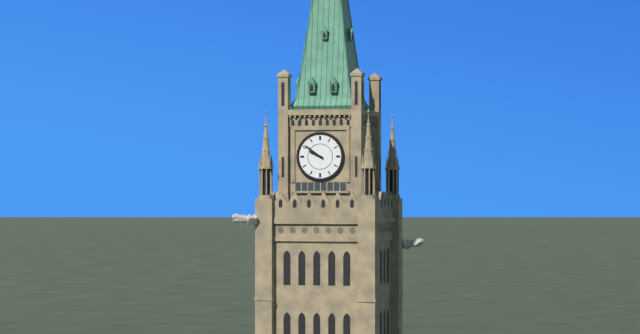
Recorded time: 9:51
